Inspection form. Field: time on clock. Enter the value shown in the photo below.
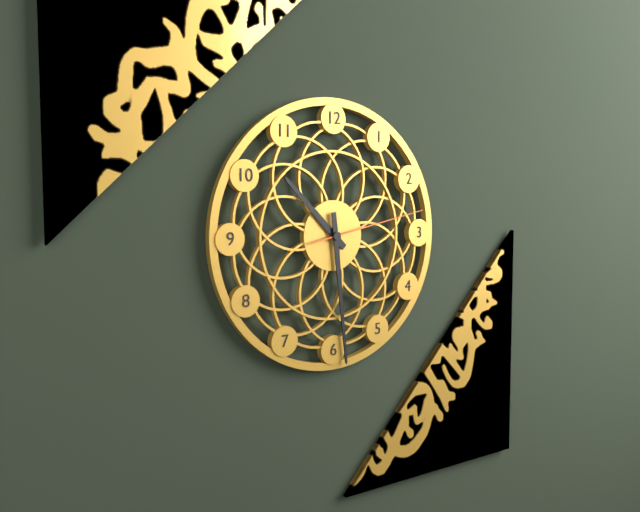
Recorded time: 10:29:13
